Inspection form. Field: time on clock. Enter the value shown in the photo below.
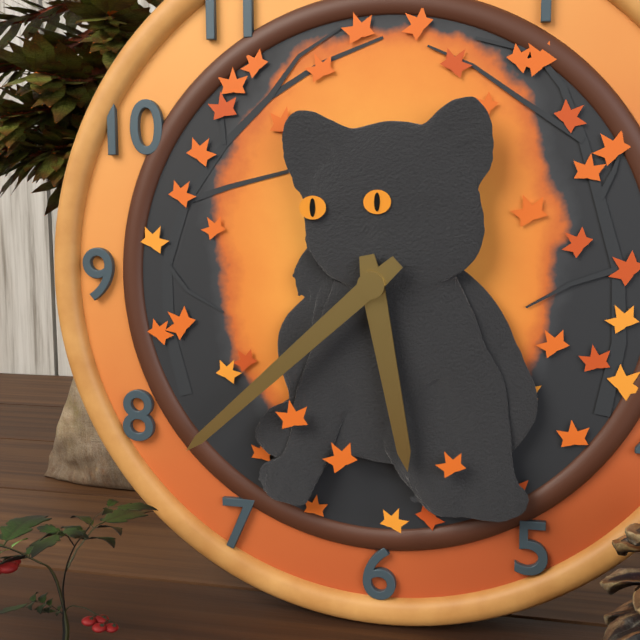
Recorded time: 5:38
